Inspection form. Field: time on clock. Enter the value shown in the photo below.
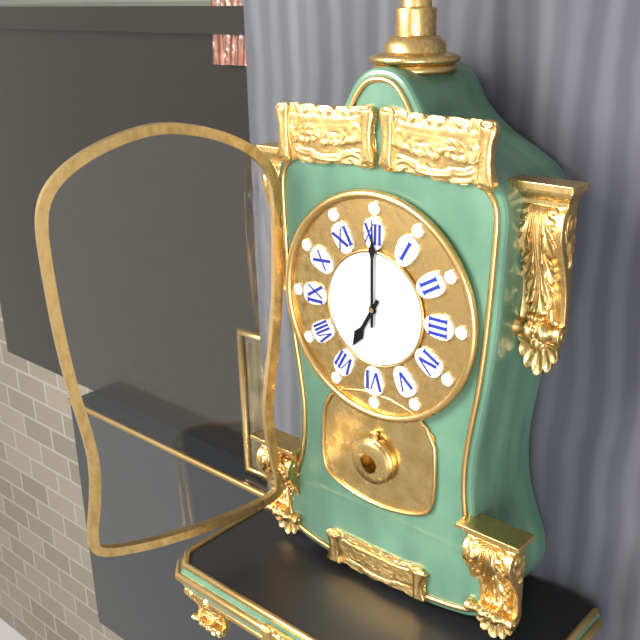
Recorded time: 7:00
